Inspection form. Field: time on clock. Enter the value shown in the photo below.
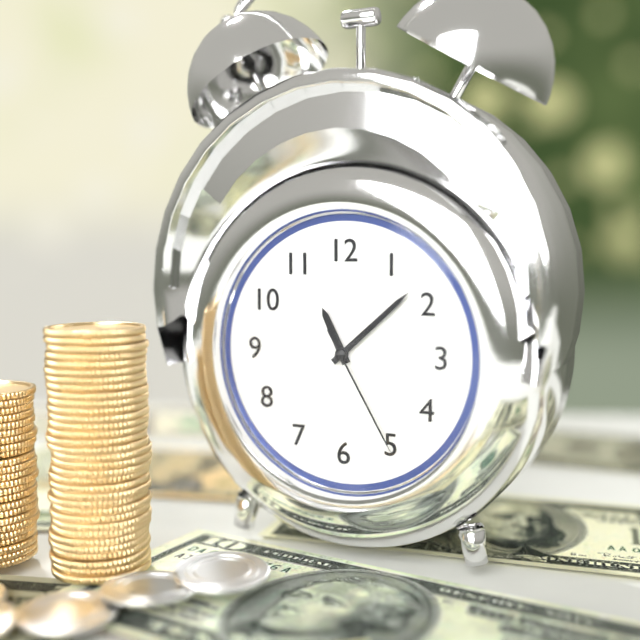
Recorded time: 11:08:25
